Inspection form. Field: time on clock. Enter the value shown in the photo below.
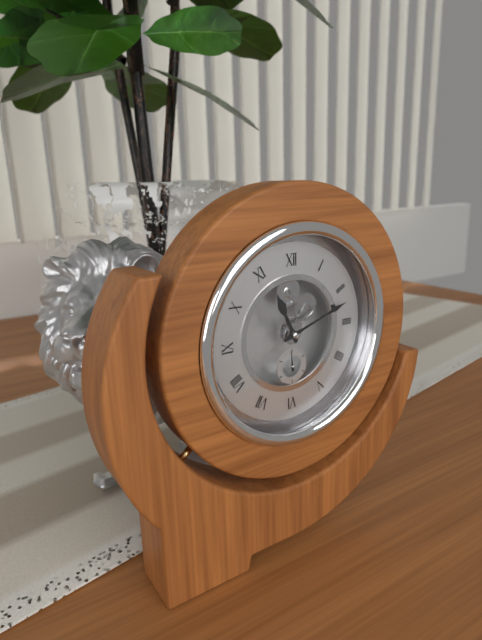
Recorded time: 11:12
